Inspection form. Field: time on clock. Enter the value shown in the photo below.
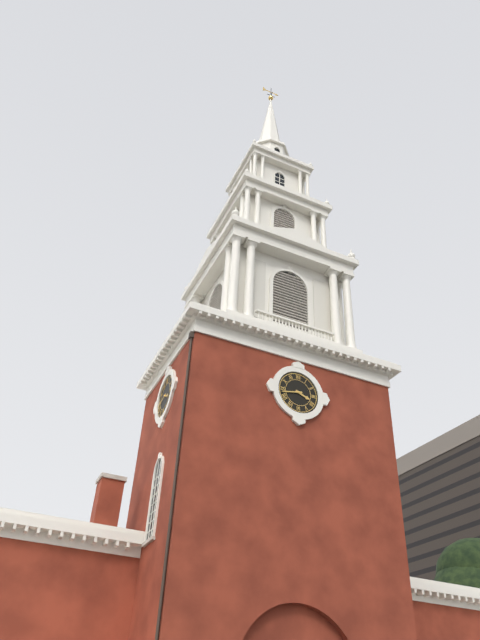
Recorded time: 3:43
